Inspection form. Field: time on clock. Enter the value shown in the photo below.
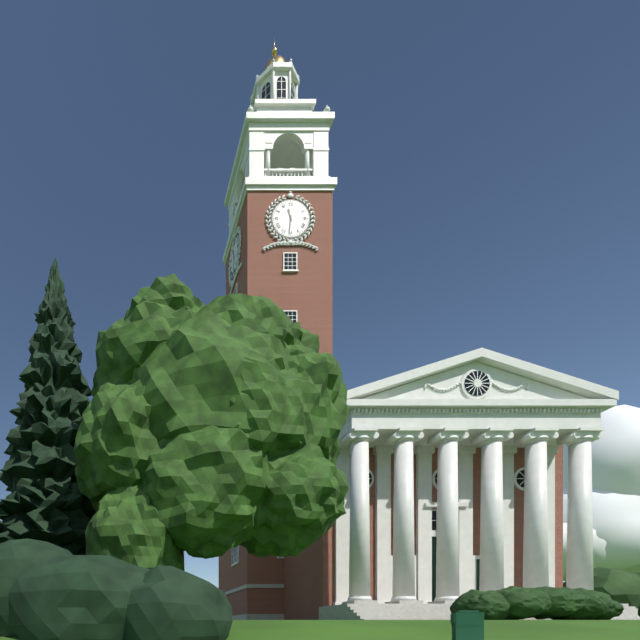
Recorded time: 11:31
